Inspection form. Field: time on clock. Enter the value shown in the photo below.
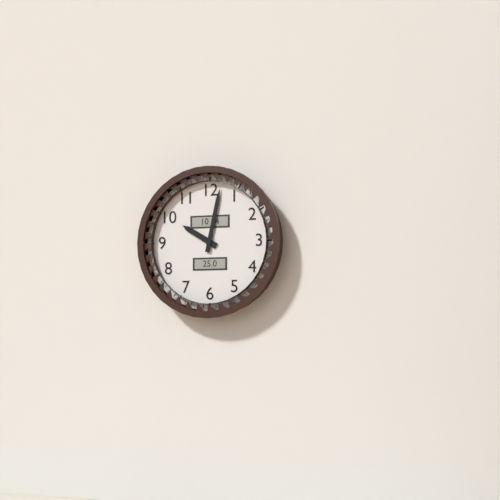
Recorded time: 10:02
